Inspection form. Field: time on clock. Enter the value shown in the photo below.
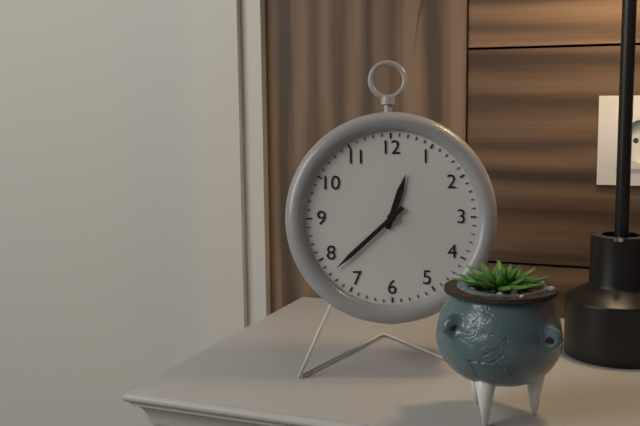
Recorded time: 12:38
